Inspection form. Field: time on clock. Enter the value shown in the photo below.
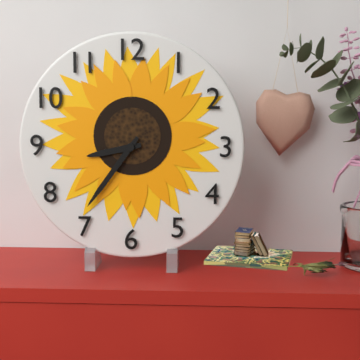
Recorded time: 8:36
